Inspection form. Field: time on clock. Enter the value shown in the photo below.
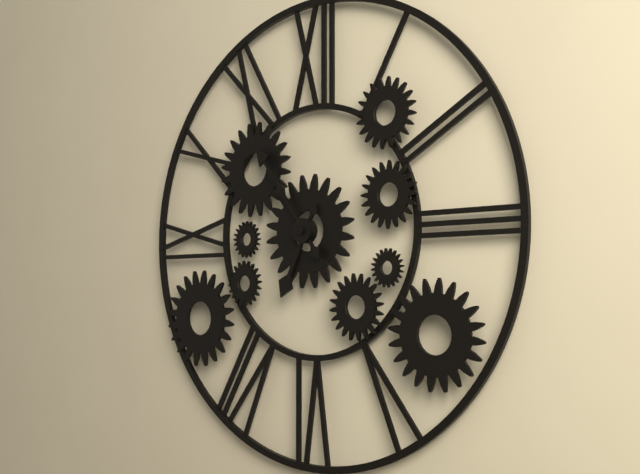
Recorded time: 6:54
